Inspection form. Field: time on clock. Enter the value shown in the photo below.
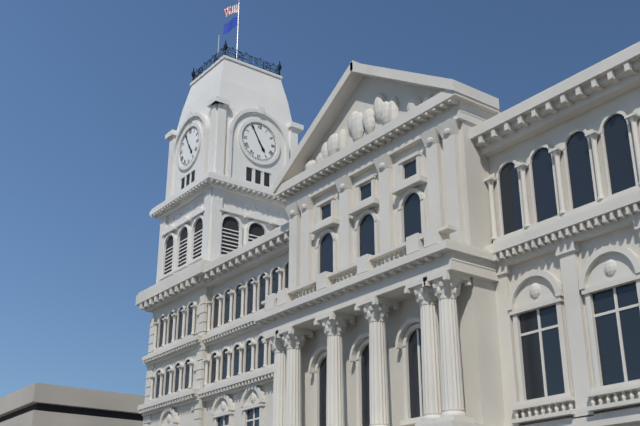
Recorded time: 4:55
